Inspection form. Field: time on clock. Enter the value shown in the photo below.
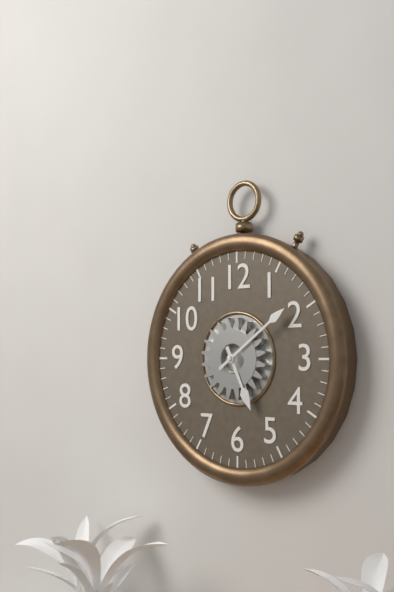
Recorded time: 5:09
